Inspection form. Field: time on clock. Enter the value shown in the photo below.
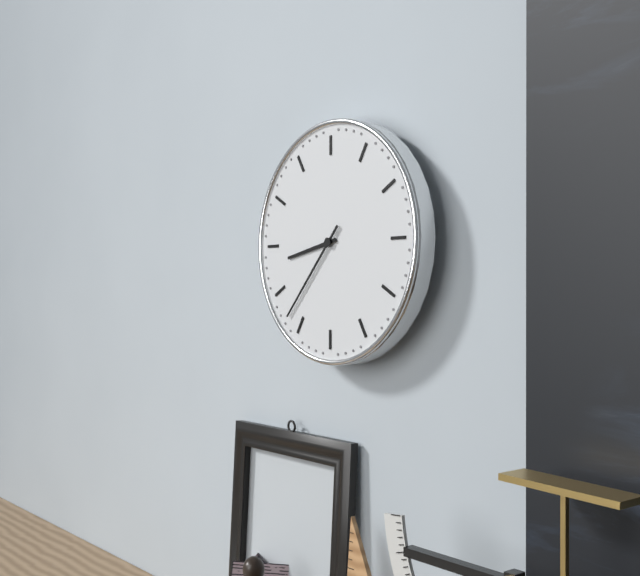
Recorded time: 8:37
